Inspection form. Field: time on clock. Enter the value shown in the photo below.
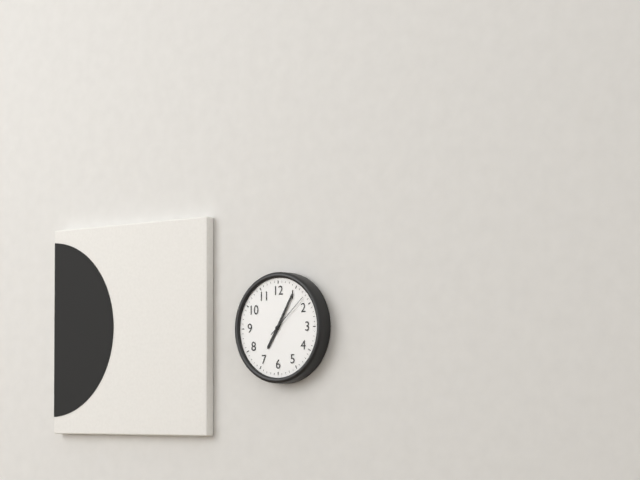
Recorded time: 7:05
